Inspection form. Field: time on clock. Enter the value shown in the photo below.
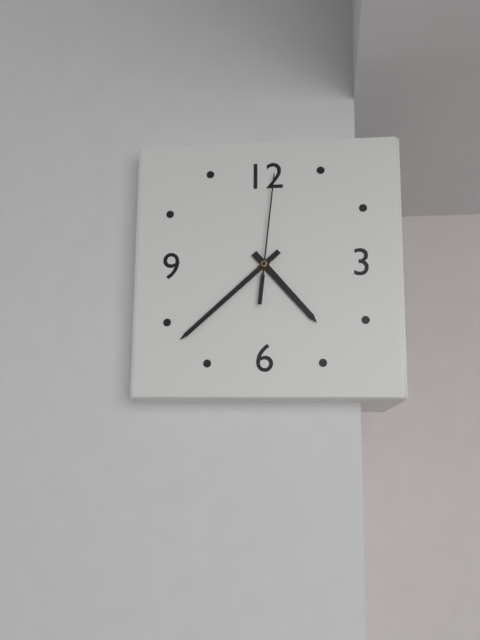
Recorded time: 4:38:01
